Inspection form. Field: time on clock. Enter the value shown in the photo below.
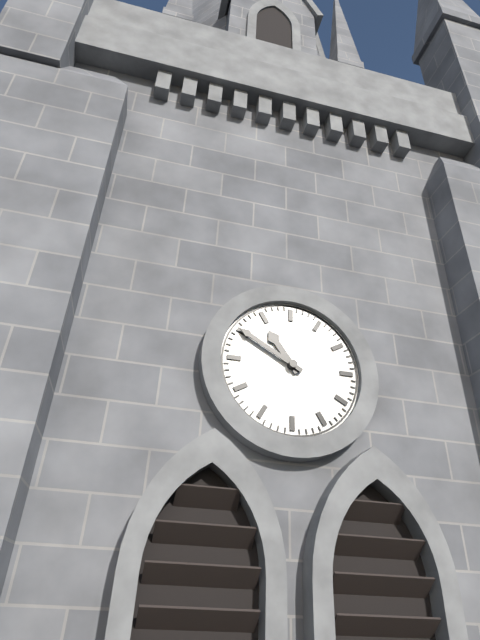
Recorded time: 10:50
